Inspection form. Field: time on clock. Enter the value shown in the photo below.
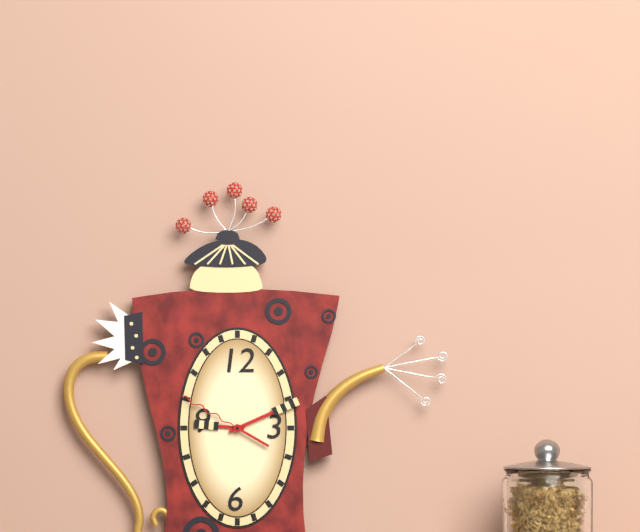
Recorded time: 9:11:50
